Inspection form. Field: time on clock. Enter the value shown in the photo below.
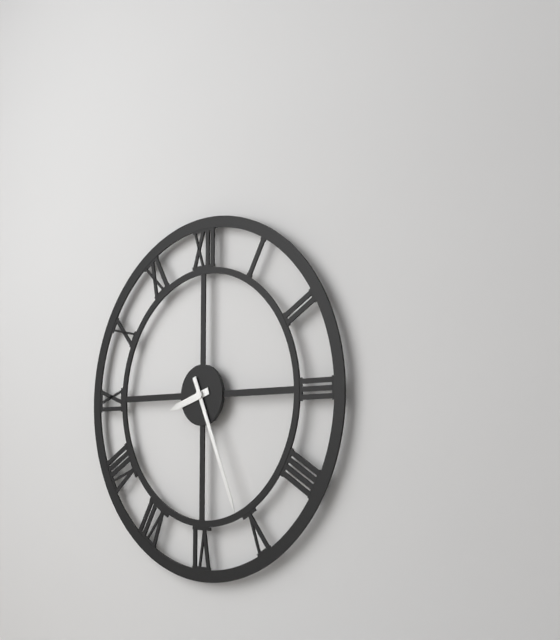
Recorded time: 8:26
